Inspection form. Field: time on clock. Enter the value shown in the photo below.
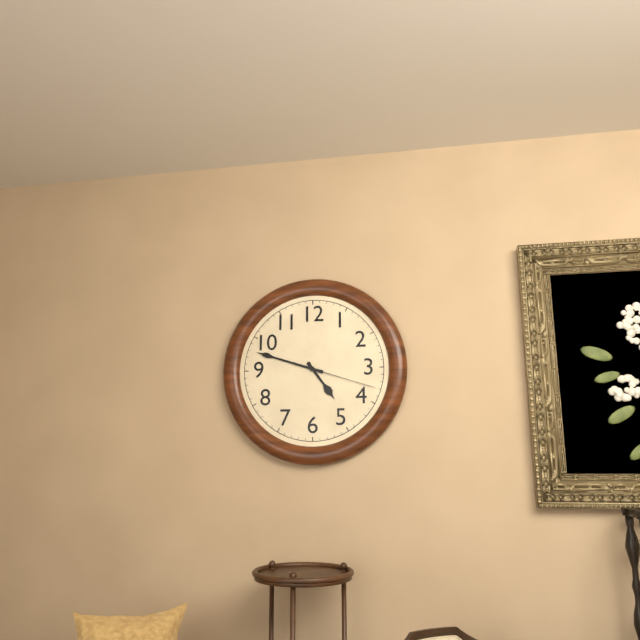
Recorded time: 4:48:18
